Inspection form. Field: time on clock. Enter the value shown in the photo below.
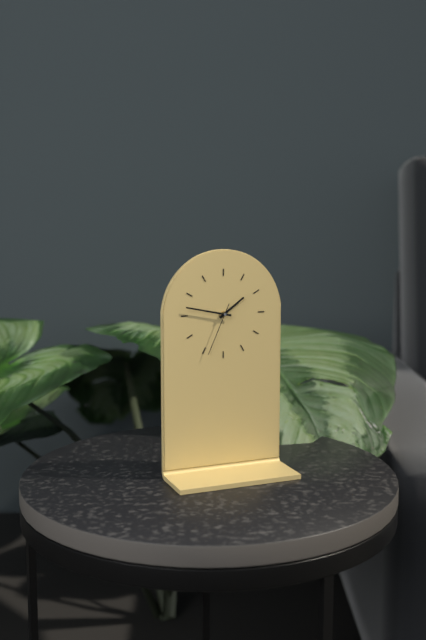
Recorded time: 1:47:34
